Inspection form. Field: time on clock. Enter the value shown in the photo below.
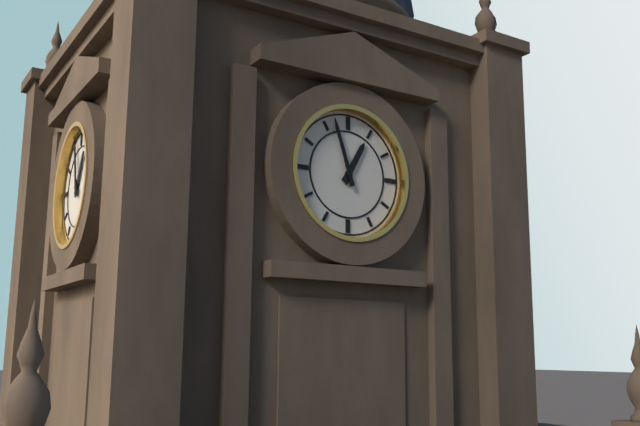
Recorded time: 12:57
